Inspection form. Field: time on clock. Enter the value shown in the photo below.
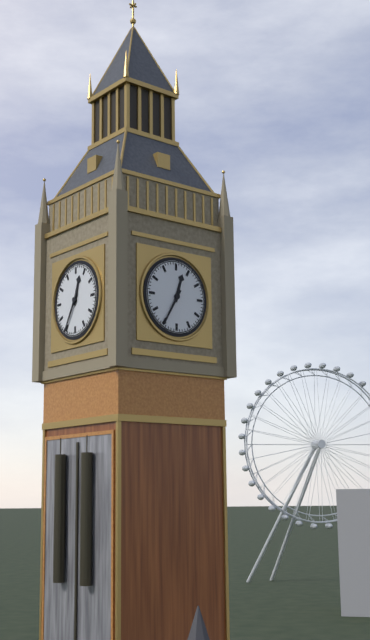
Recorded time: 12:35
